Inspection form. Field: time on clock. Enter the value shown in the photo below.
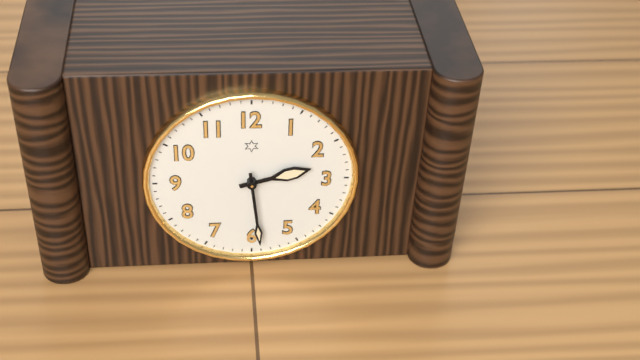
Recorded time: 2:29
